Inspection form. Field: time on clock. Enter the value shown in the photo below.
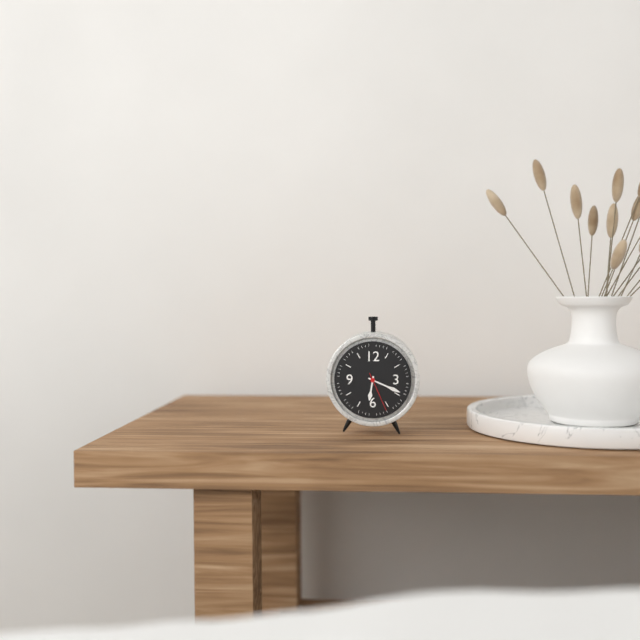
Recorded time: 6:19
